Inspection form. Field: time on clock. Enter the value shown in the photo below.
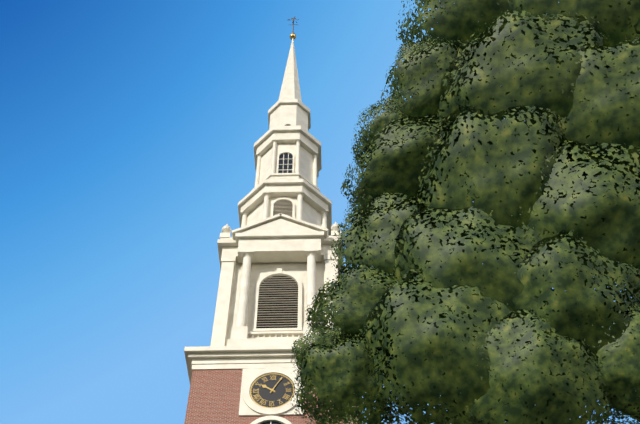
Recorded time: 10:05
